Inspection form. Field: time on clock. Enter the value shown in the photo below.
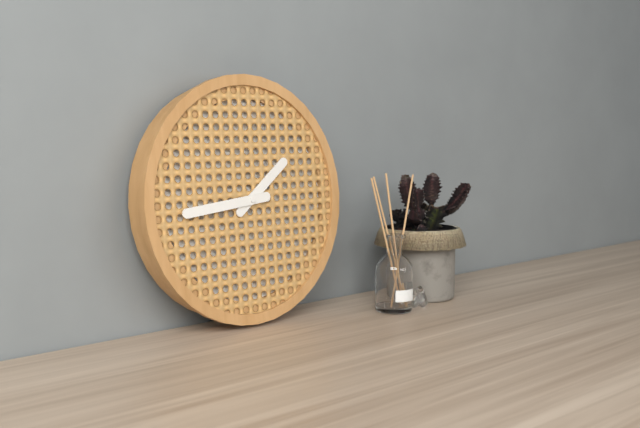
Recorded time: 1:44
